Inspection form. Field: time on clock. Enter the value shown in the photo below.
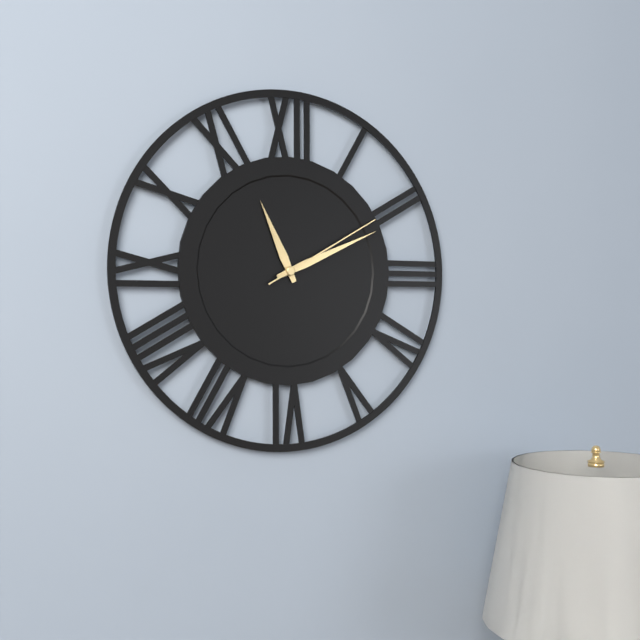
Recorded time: 11:11:10
